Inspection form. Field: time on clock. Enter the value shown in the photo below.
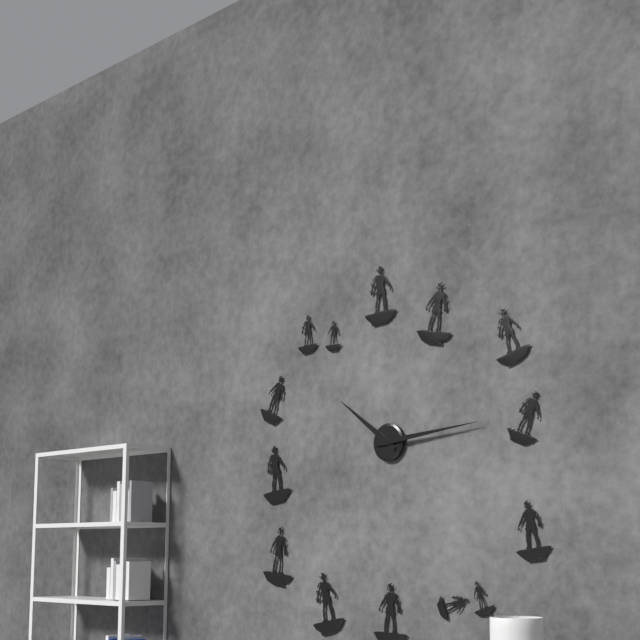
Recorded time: 10:14
